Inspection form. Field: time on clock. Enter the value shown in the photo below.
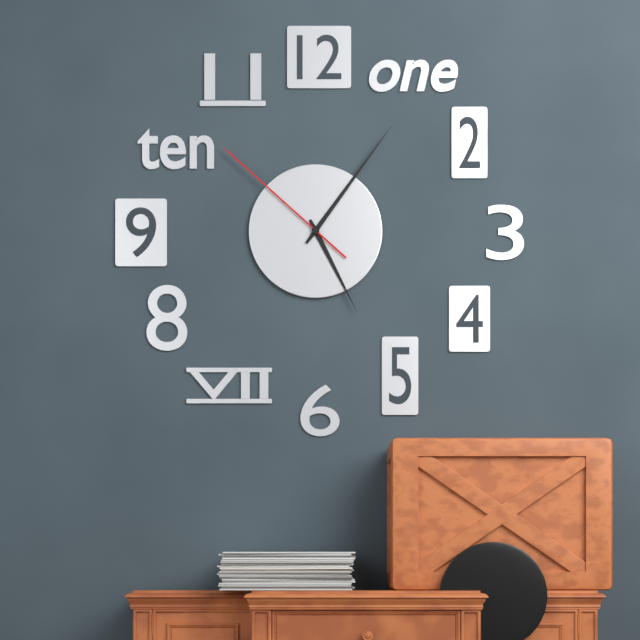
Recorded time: 5:06:52
